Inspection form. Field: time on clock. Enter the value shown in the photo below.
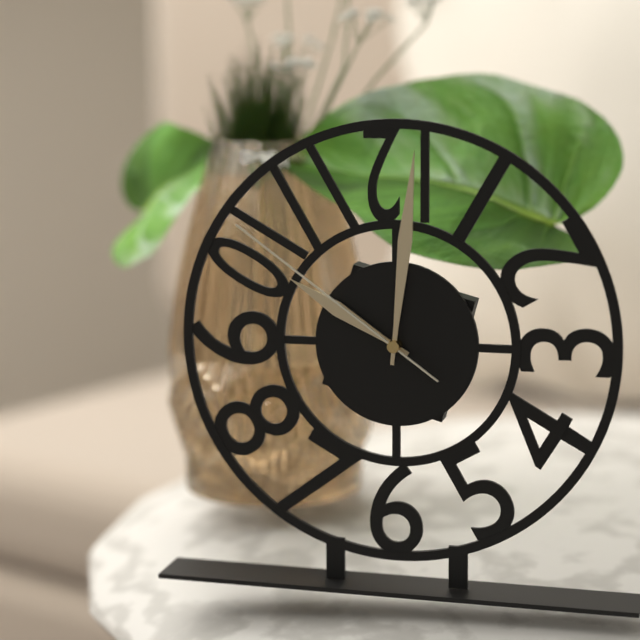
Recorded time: 10:01:51
